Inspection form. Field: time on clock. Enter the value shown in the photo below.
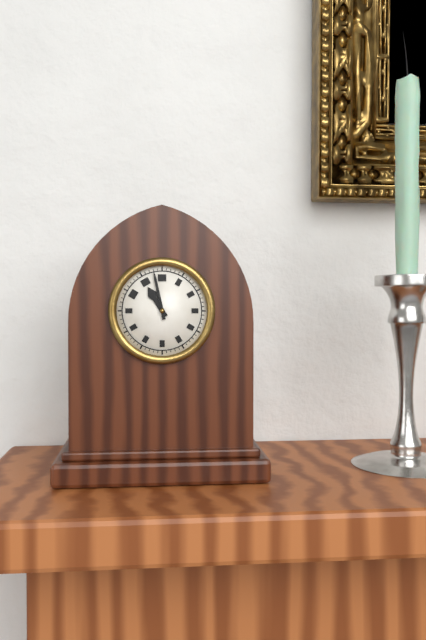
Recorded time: 10:58
